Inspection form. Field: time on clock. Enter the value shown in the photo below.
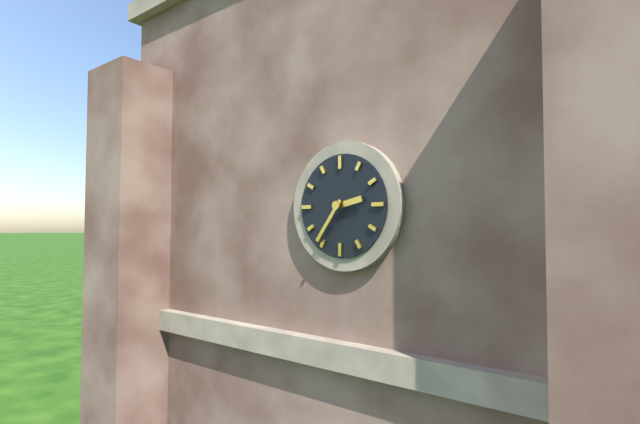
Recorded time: 2:36
